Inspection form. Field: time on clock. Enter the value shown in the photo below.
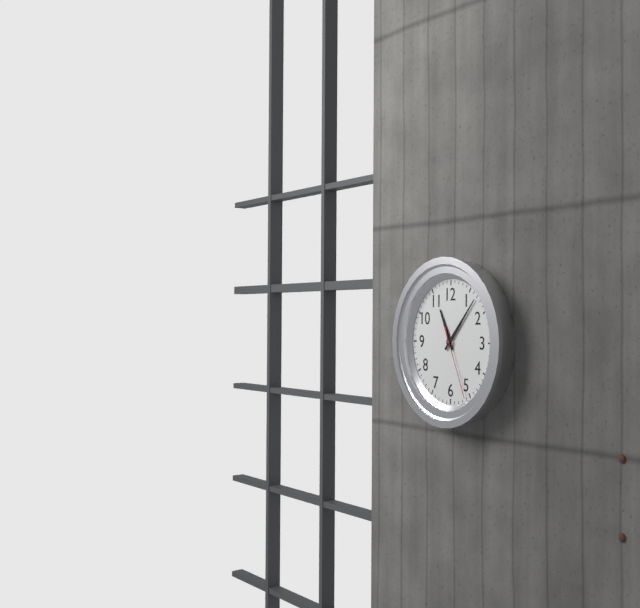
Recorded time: 11:07:26
